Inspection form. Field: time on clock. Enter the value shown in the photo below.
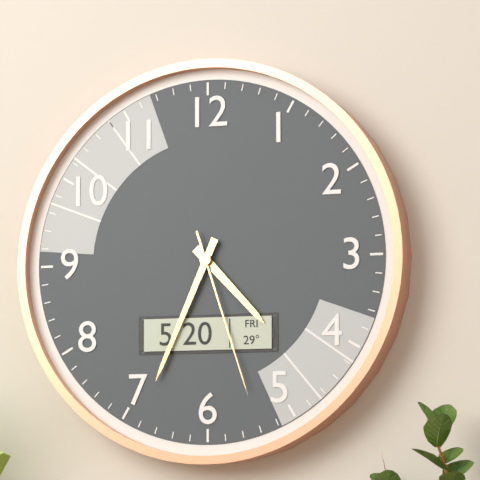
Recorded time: 4:34:27
